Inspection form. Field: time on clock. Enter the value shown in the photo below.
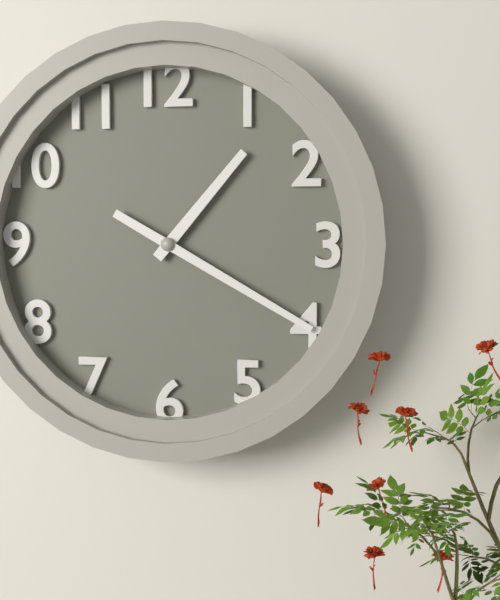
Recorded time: 1:20
